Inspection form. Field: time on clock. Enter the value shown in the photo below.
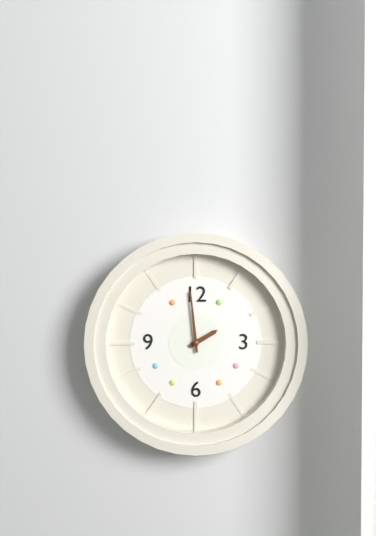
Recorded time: 1:59
